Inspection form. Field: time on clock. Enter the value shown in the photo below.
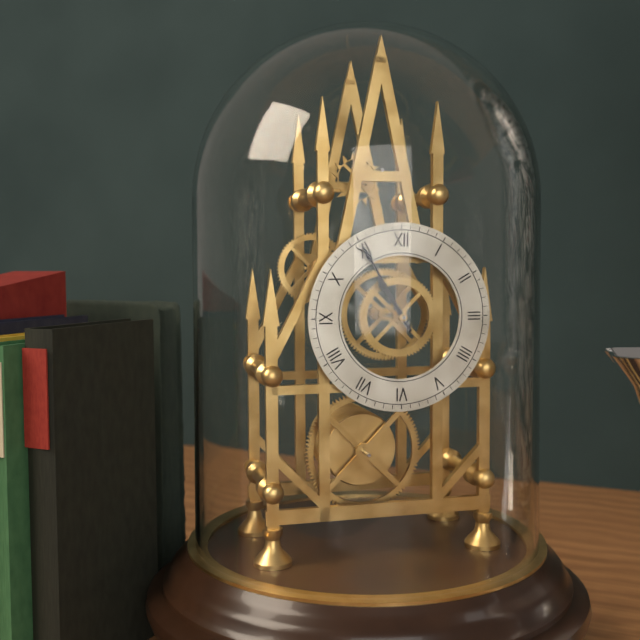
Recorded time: 10:55
